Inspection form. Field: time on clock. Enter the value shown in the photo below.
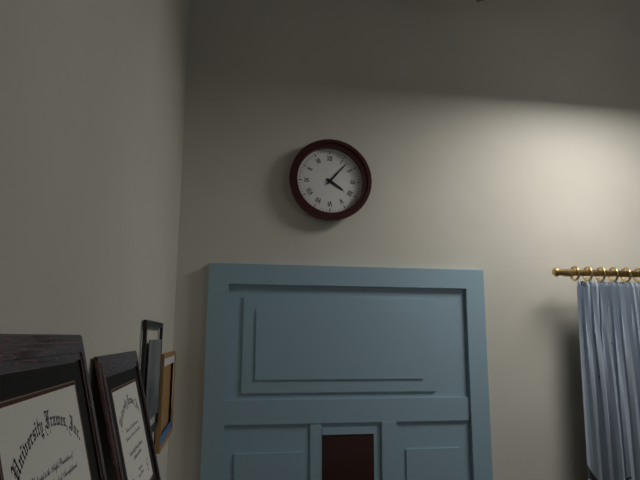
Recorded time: 4:07
